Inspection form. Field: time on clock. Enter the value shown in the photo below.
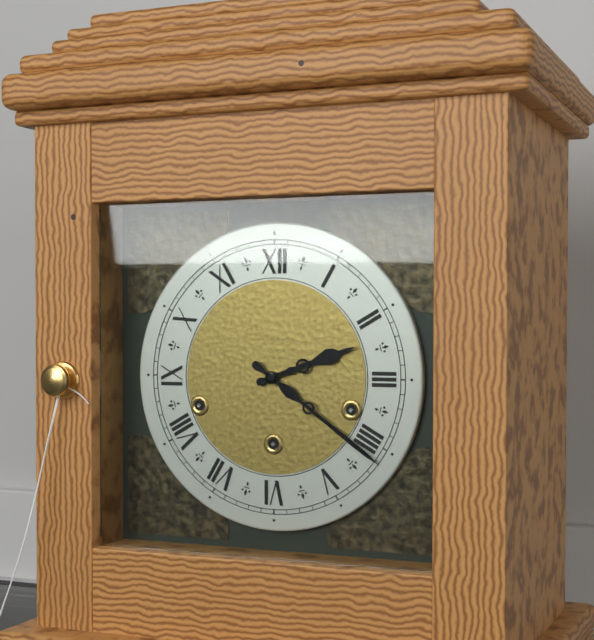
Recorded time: 2:21
